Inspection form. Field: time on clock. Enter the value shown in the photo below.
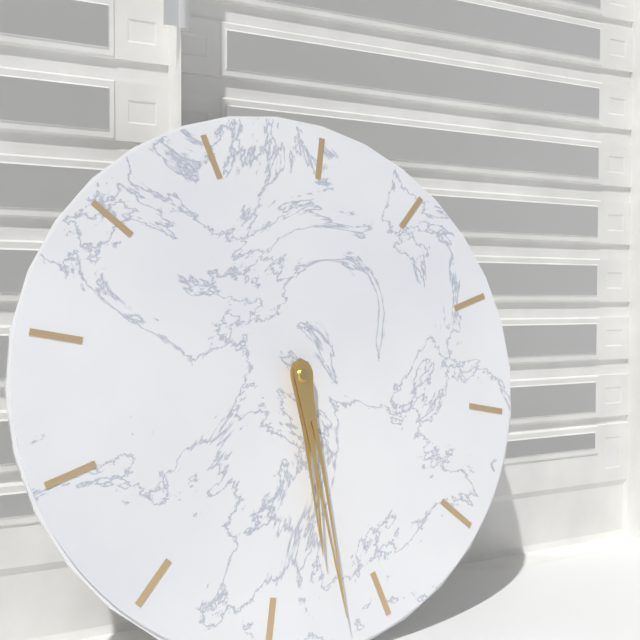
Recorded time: 6:32
